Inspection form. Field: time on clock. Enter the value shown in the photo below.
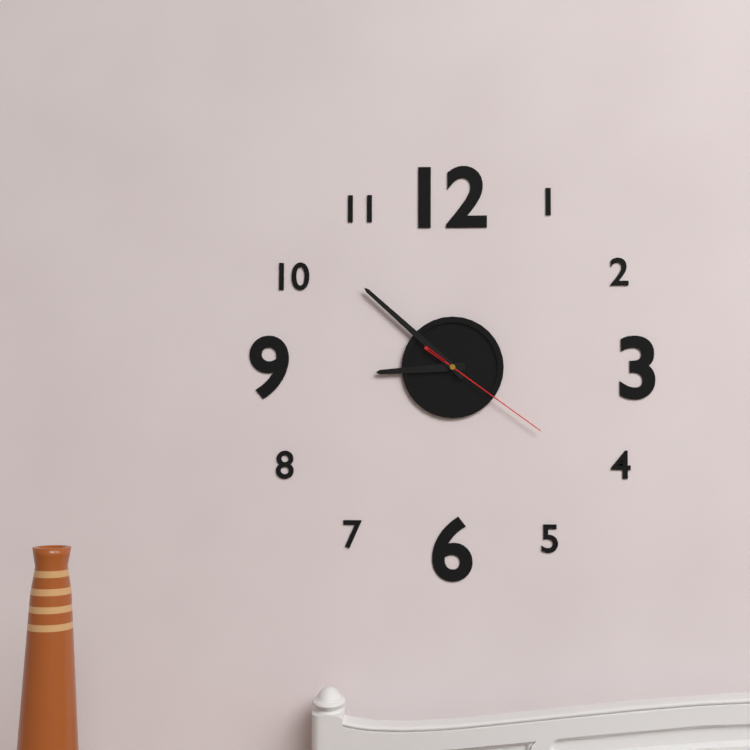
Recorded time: 8:52:21
